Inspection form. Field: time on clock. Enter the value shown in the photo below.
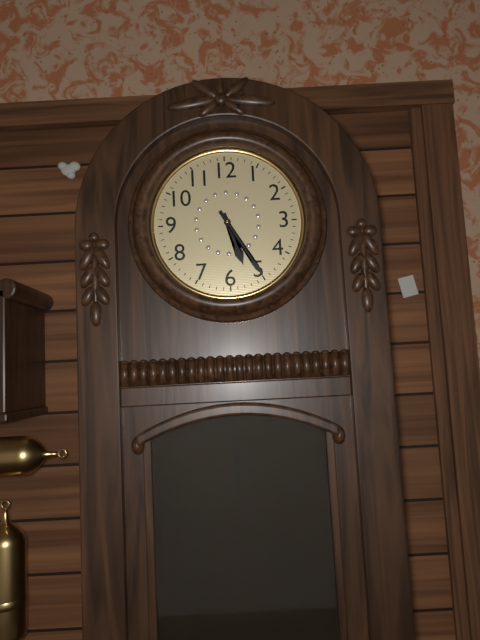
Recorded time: 5:25
